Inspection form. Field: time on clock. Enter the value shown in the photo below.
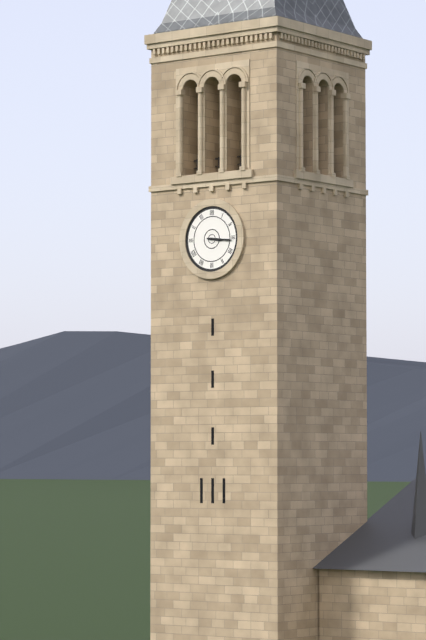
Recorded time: 3:16
